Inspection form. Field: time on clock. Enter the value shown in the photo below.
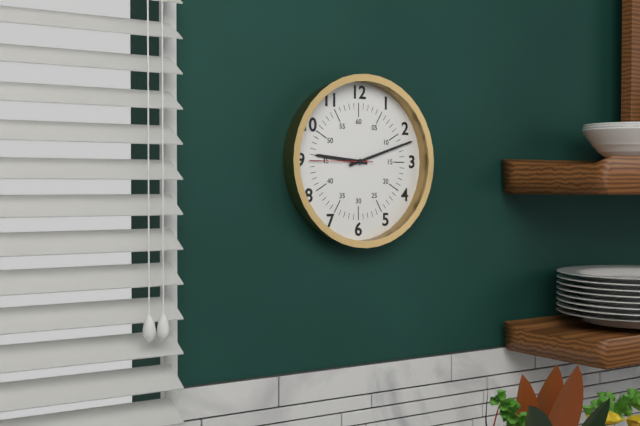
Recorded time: 9:12:45
